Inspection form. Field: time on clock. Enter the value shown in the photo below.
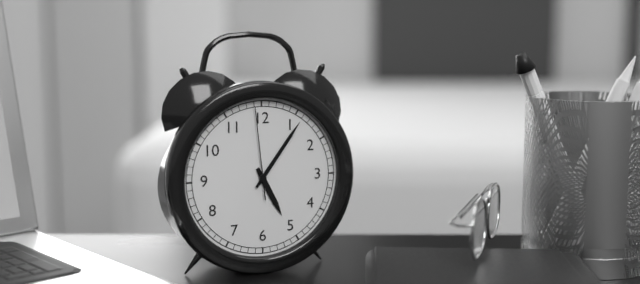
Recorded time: 5:06:59
